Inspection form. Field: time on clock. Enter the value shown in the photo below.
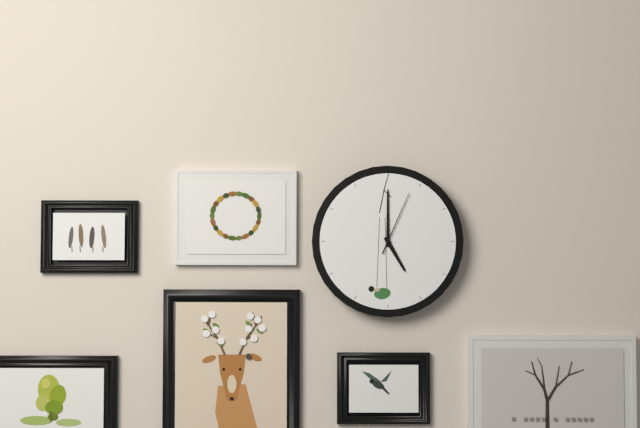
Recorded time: 5:00:04
